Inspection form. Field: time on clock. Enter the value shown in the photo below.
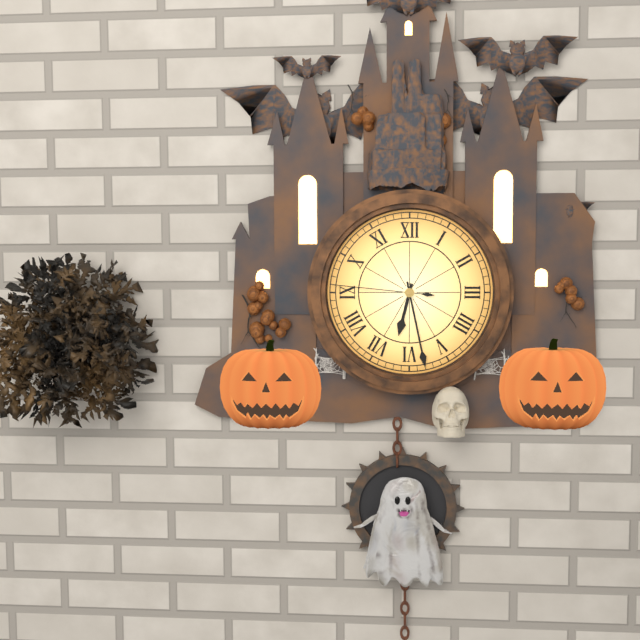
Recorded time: 6:28:46
